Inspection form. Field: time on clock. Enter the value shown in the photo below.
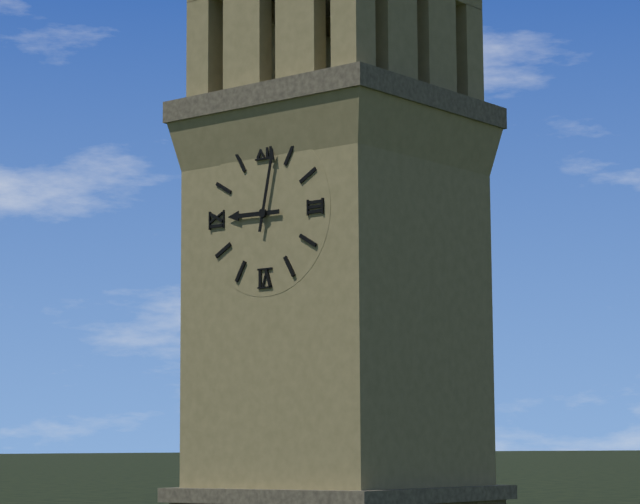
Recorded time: 9:02
